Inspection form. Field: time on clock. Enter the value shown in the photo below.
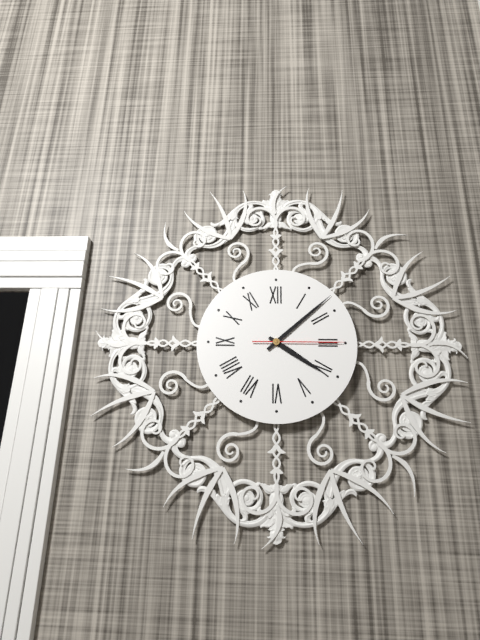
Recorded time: 4:08:15
